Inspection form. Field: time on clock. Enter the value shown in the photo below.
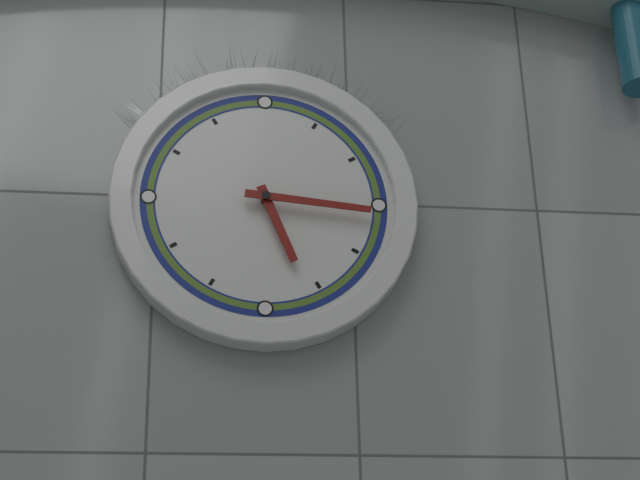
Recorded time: 5:16
